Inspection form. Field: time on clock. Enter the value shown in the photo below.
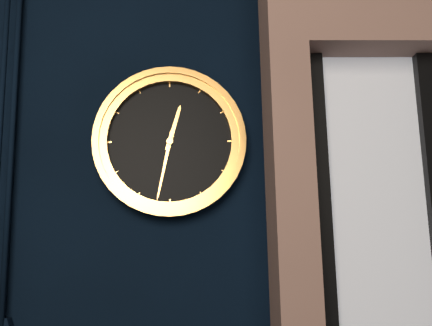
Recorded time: 12:32
